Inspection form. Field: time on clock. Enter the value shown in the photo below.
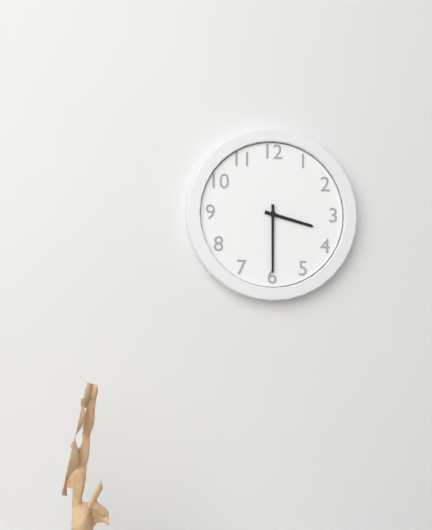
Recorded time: 3:30
